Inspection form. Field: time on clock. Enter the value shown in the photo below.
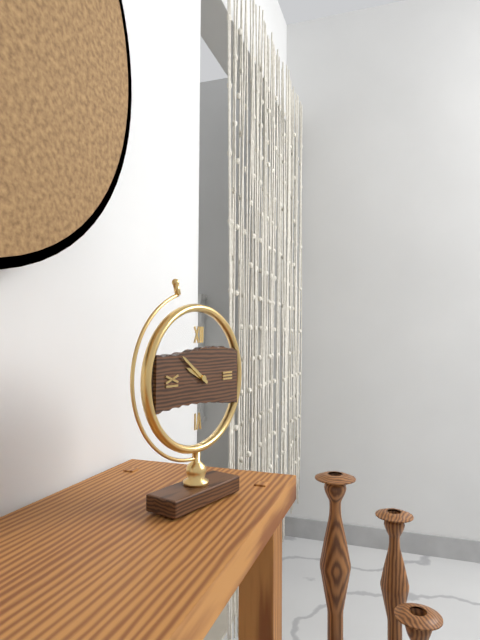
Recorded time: 9:51
